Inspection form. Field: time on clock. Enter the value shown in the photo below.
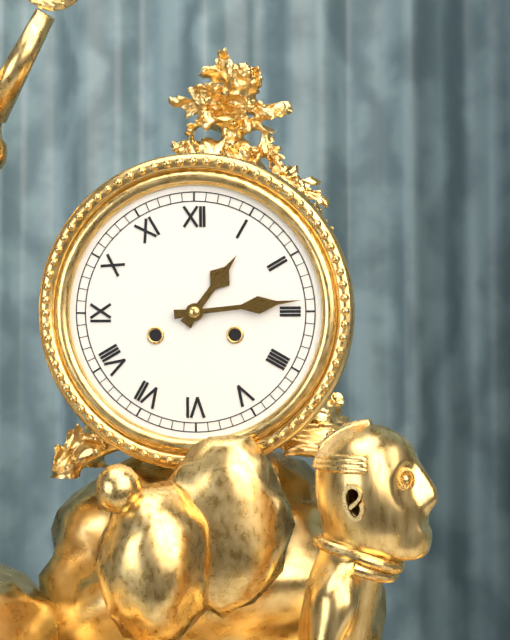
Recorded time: 1:14
